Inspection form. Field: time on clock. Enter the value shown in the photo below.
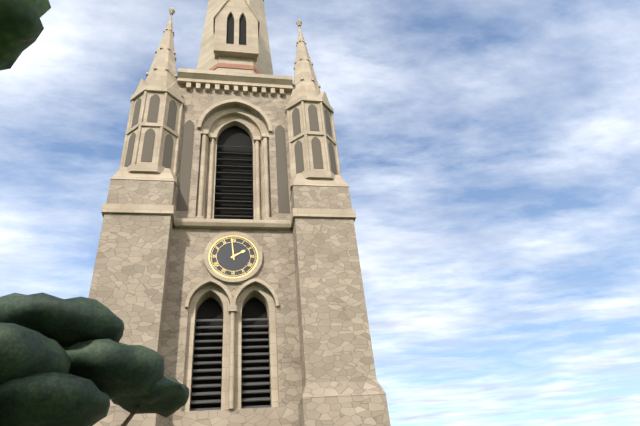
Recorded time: 1:59
